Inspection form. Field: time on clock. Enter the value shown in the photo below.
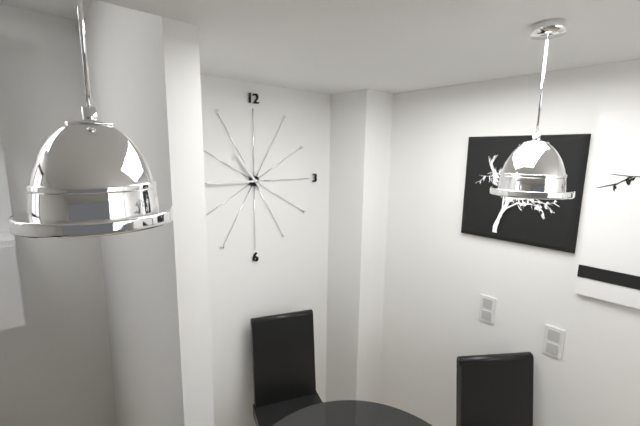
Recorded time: 10:45
